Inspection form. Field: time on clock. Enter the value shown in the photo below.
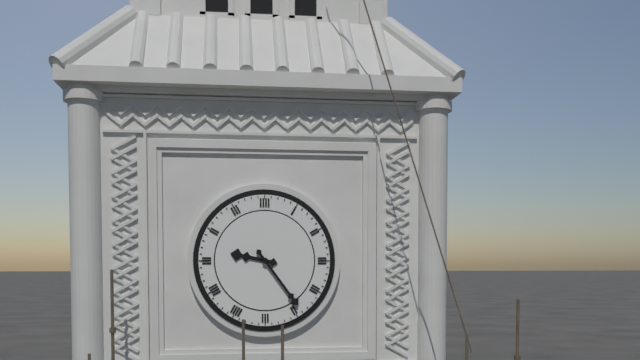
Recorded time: 9:24
